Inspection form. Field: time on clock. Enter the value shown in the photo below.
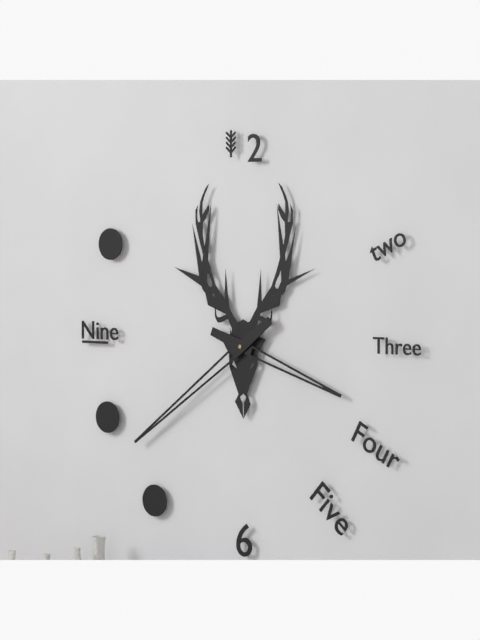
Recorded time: 3:39
